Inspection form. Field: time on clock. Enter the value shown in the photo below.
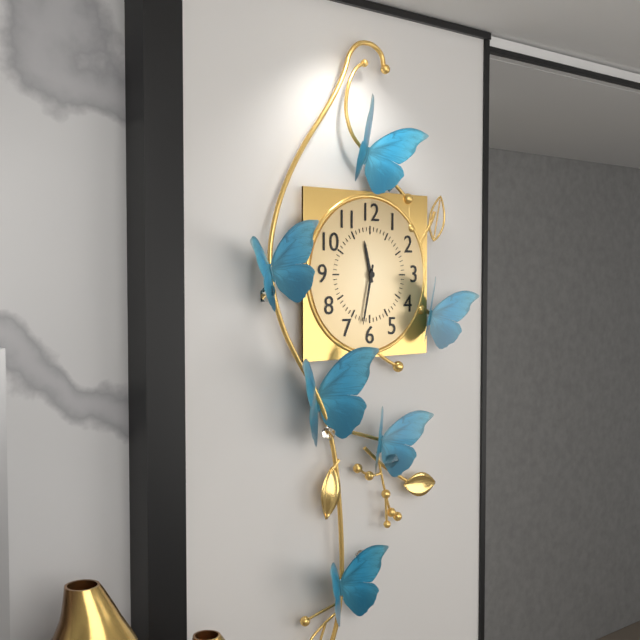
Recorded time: 11:32
